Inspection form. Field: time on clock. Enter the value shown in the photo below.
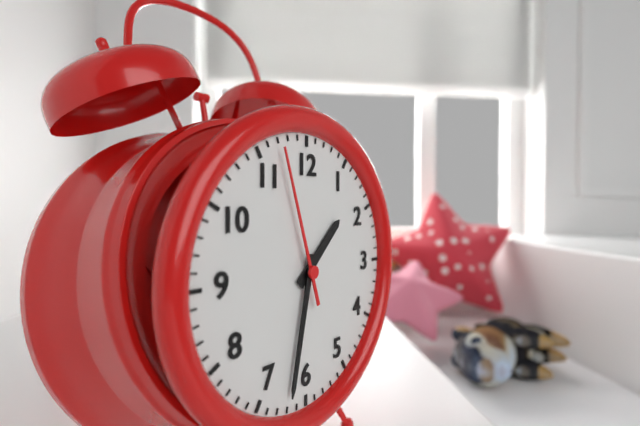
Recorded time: 1:32:57
